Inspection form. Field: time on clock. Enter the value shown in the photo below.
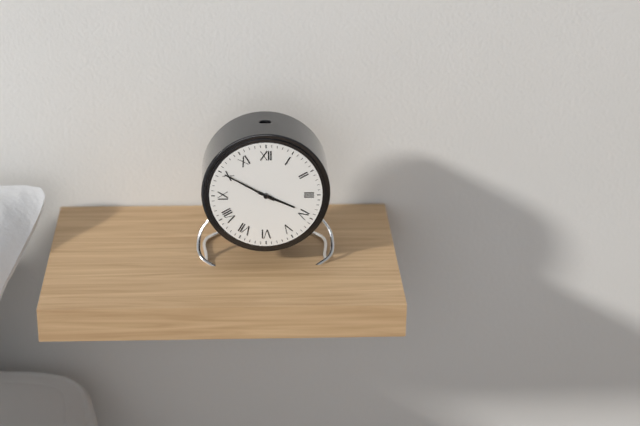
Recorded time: 3:50
